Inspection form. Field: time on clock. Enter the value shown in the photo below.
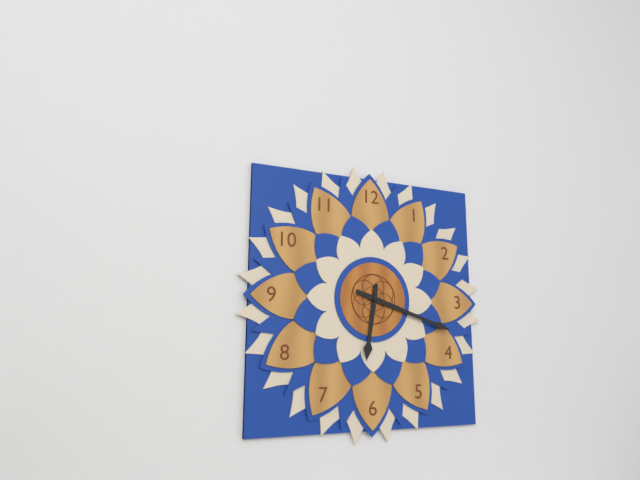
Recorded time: 6:18
